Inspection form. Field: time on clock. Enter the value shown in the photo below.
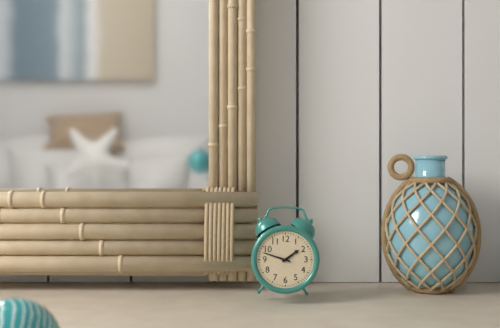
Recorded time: 1:48
